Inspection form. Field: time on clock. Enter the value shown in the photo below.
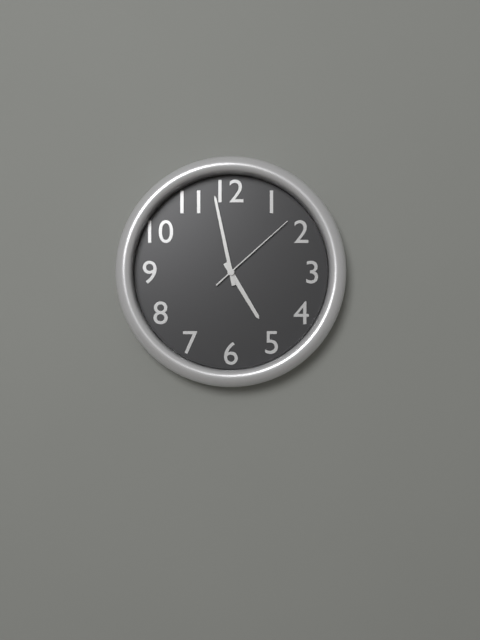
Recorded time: 4:58:08
